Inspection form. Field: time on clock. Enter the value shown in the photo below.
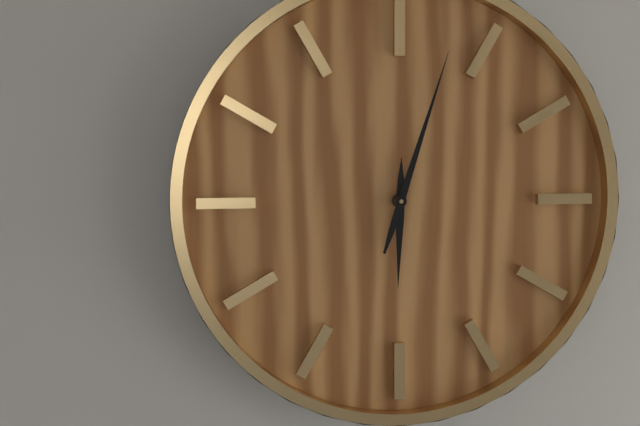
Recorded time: 6:03
